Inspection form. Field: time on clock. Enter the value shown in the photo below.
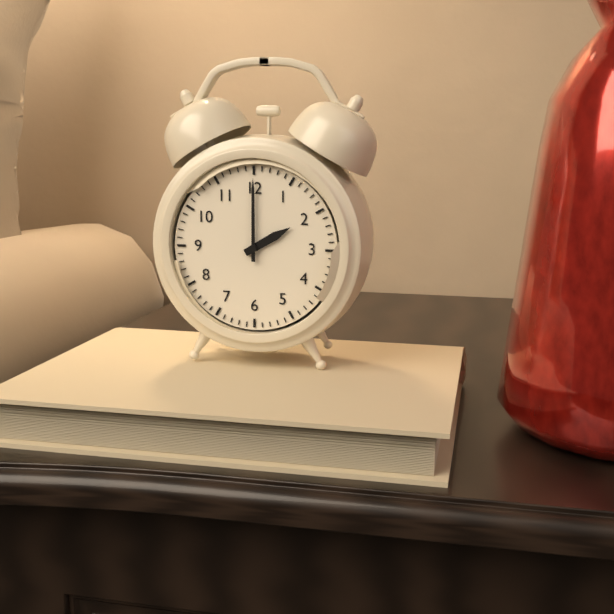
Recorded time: 2:00
